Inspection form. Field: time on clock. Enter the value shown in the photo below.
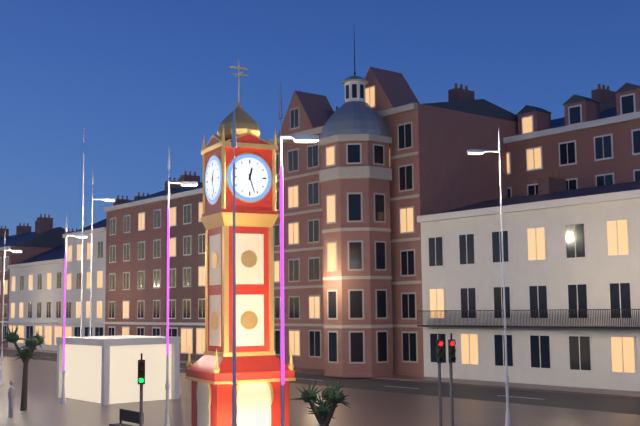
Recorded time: 12:27
